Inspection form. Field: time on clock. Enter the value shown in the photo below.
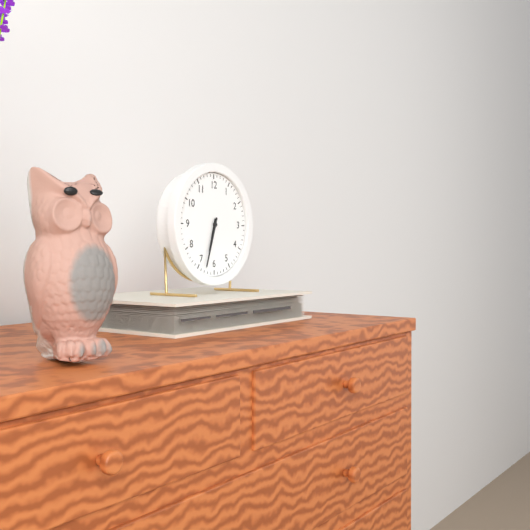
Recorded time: 6:33
